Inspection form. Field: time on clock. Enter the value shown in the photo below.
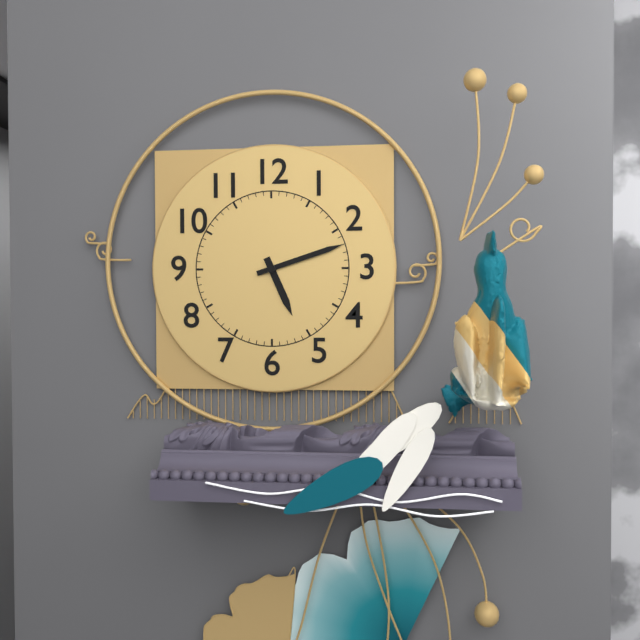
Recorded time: 5:12
